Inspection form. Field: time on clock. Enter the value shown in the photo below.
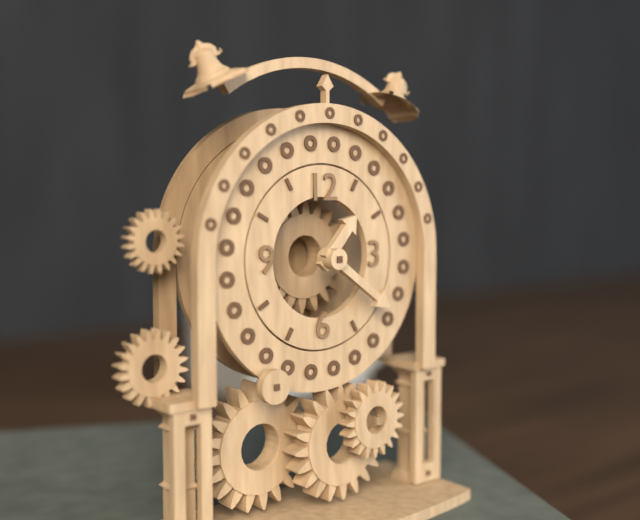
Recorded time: 1:21
